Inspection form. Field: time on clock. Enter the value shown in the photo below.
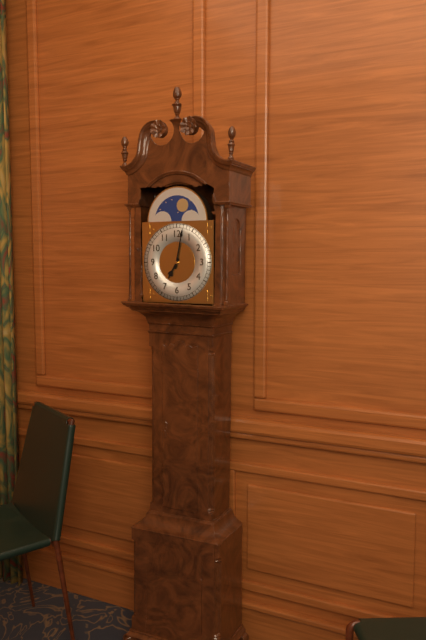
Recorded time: 7:02
